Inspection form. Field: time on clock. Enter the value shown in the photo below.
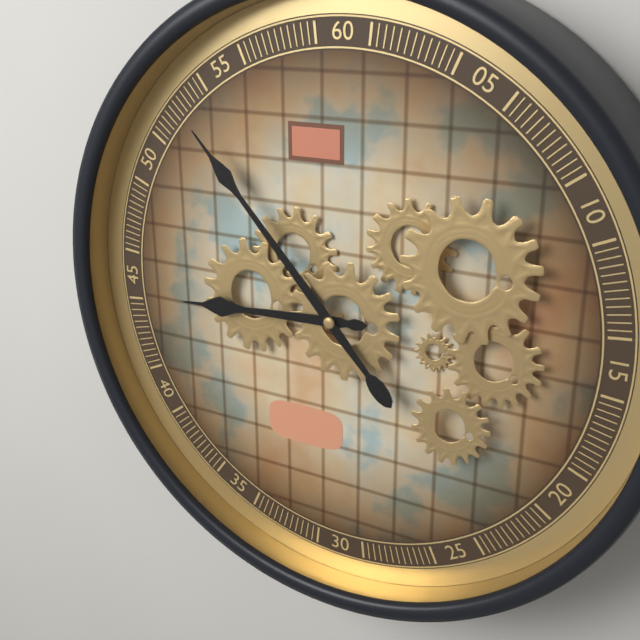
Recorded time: 8:53
